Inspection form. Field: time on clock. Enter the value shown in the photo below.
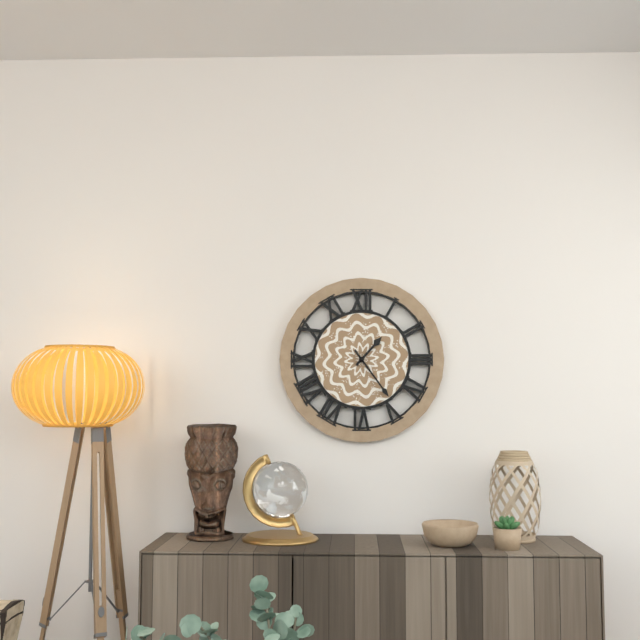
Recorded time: 1:24
